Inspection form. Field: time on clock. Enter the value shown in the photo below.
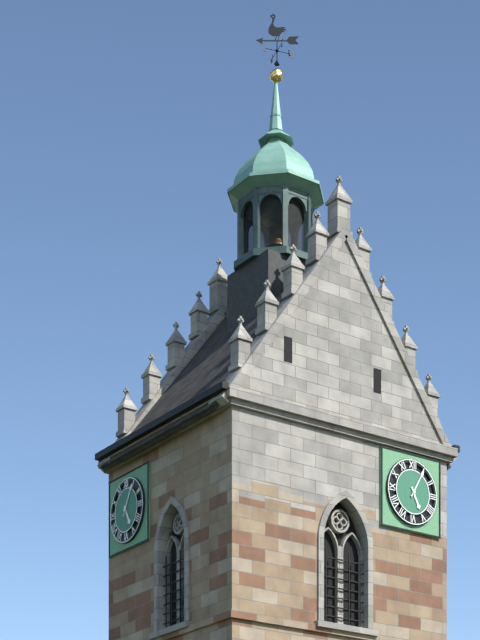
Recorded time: 5:05
